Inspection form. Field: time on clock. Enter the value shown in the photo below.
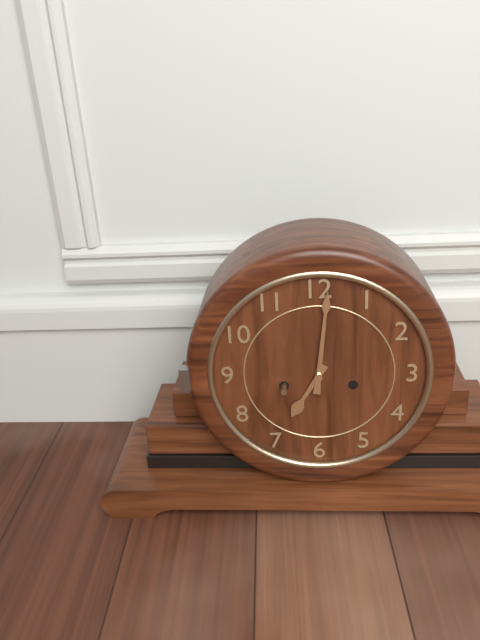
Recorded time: 7:01
